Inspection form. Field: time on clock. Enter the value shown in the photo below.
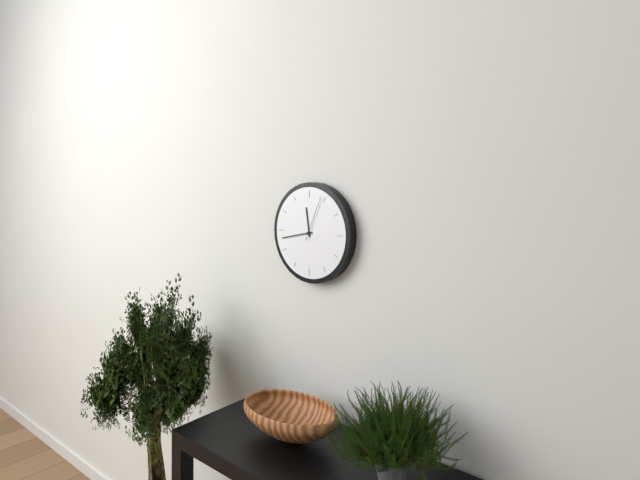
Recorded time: 11:43
